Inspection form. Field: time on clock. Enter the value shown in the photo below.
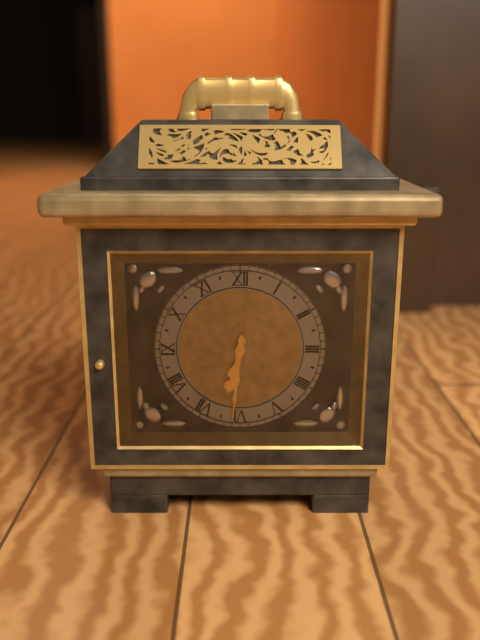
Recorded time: 6:31
